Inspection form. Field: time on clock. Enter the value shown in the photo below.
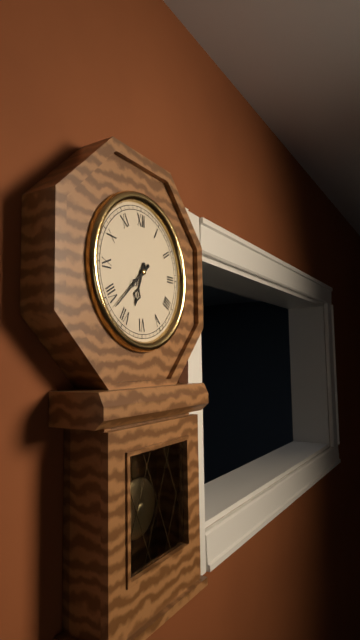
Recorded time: 6:38
